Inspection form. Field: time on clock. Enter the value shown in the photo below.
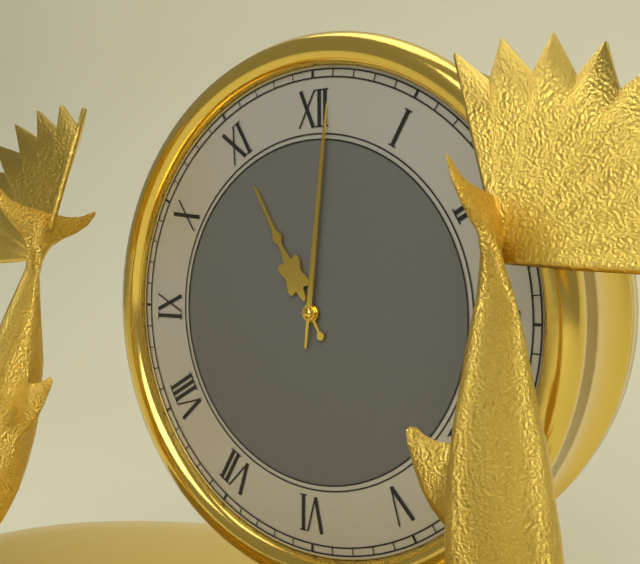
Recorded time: 11:01
